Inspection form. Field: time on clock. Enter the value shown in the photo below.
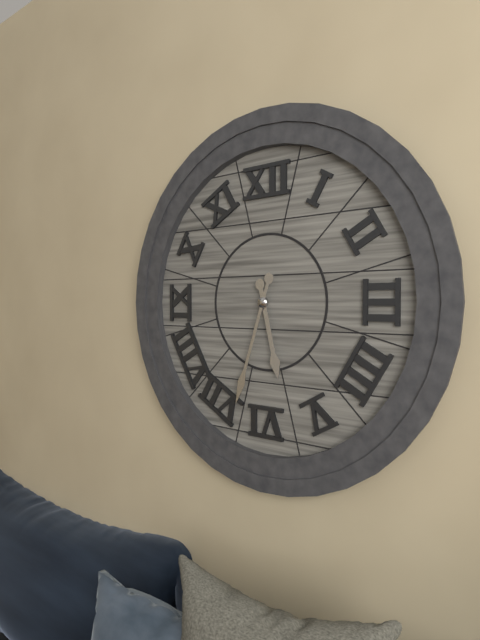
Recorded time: 5:33
